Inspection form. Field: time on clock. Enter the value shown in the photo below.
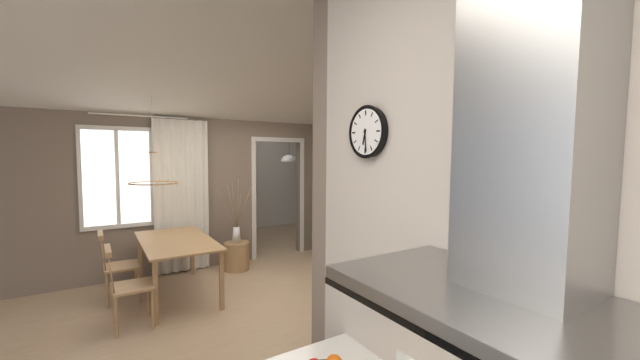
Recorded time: 6:29
